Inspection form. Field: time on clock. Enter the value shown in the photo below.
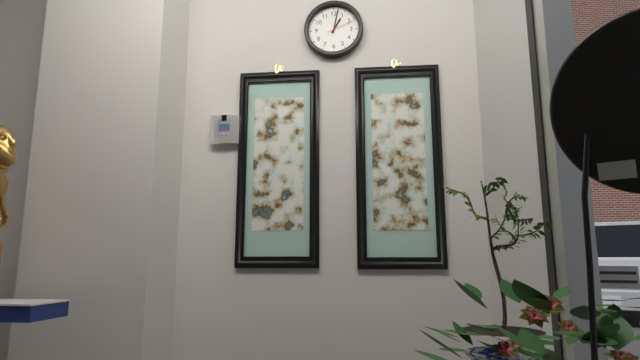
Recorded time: 1:02
